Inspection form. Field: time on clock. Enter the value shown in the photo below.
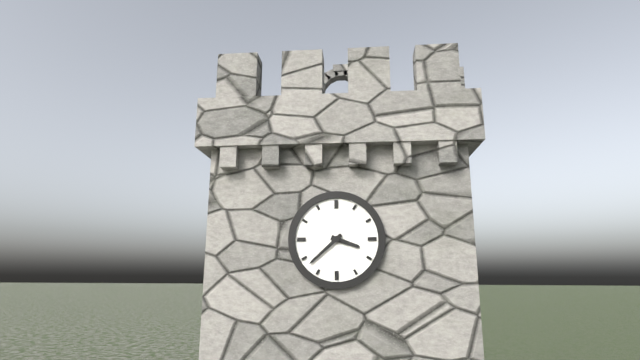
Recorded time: 3:38
